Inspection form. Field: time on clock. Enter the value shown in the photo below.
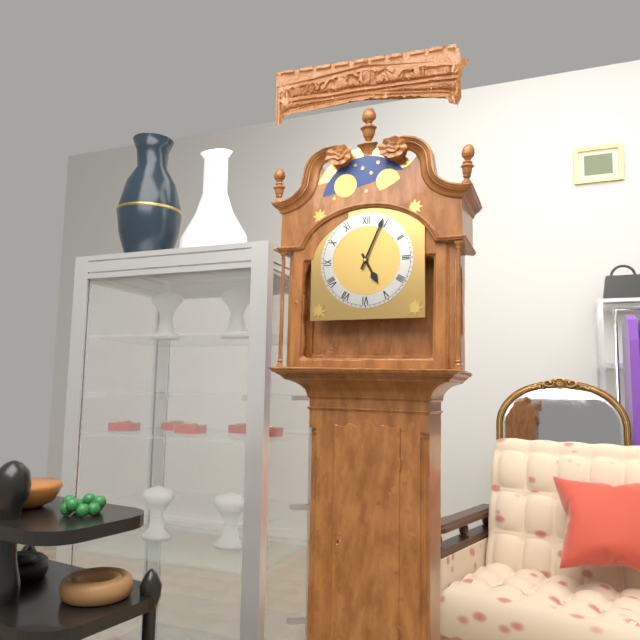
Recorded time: 5:04
